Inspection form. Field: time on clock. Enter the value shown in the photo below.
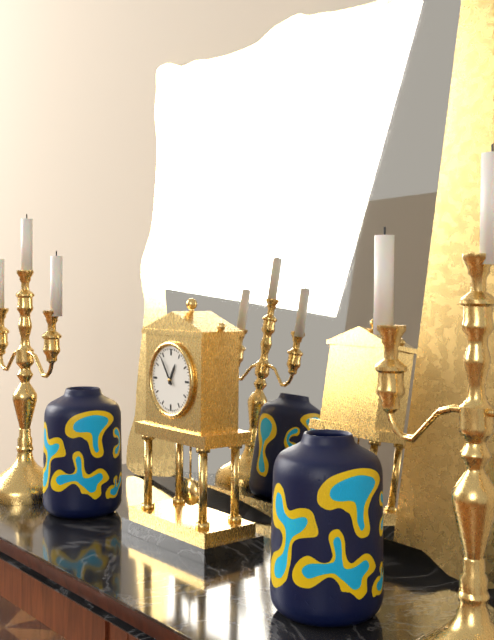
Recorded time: 12:54
